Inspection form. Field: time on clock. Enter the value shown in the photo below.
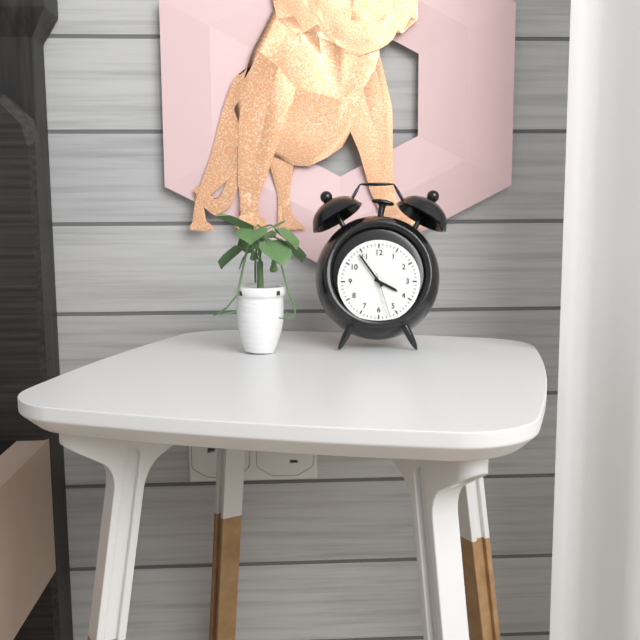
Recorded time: 3:54
